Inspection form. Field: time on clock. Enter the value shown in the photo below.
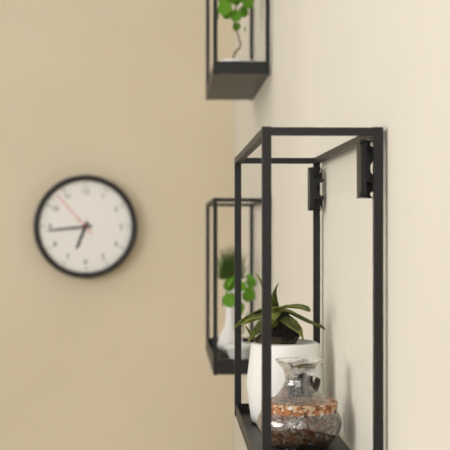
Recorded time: 6:44:53
